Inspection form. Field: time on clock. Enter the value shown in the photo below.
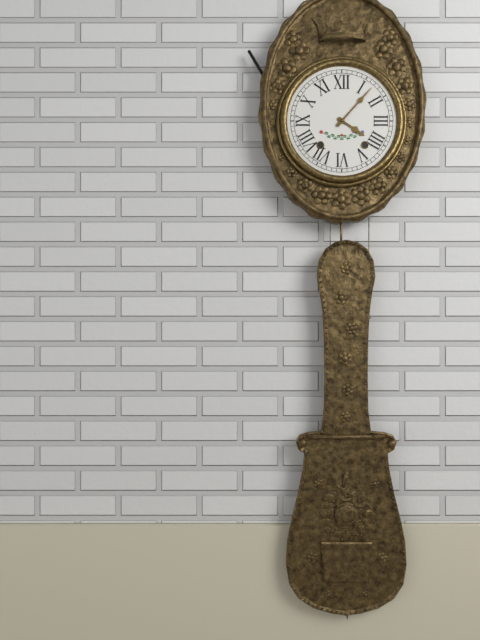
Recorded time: 4:07
